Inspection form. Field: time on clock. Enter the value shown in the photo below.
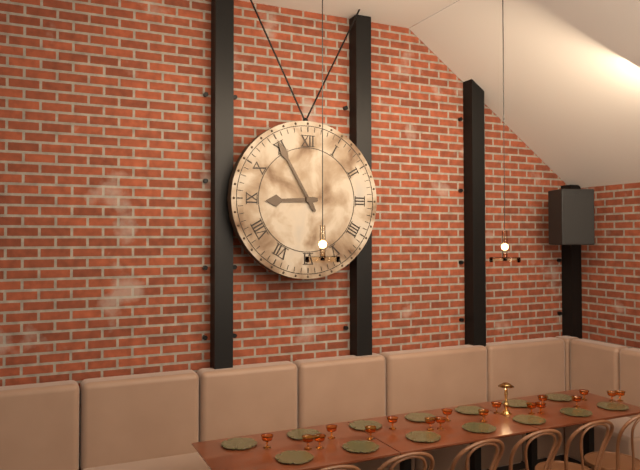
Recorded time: 8:55
